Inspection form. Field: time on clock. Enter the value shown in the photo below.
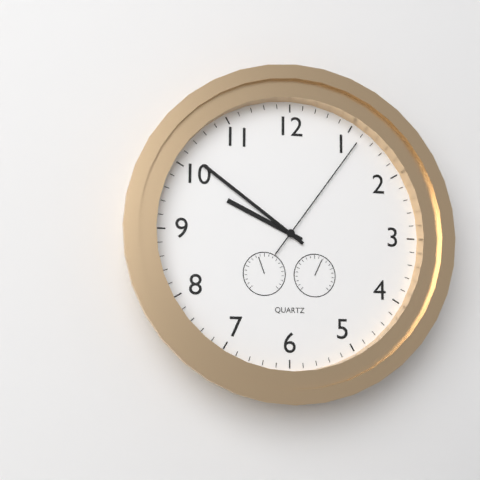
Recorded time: 9:51:06
